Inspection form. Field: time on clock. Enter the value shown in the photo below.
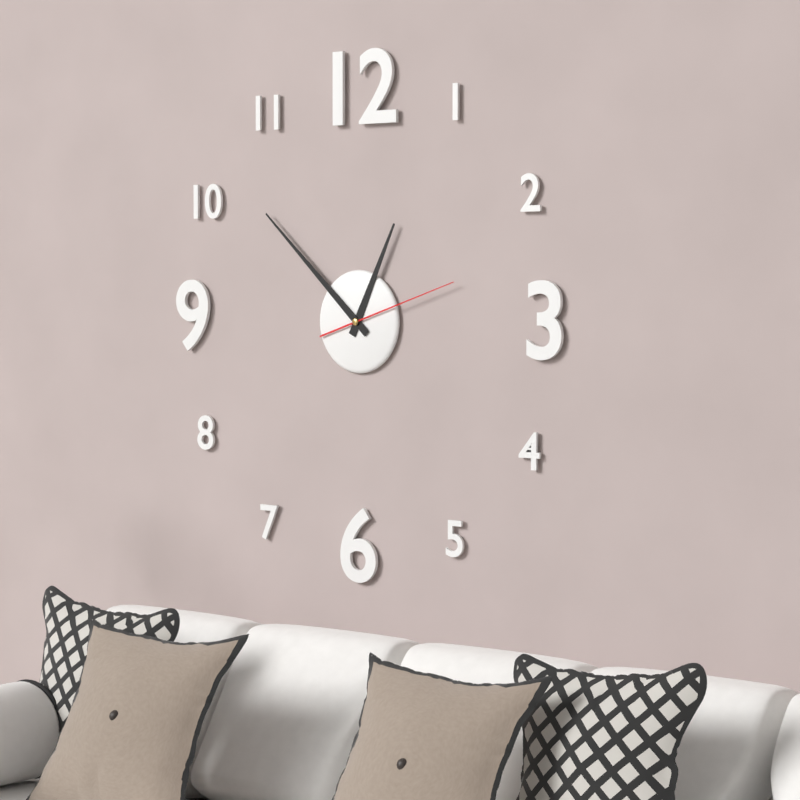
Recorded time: 12:52:12
